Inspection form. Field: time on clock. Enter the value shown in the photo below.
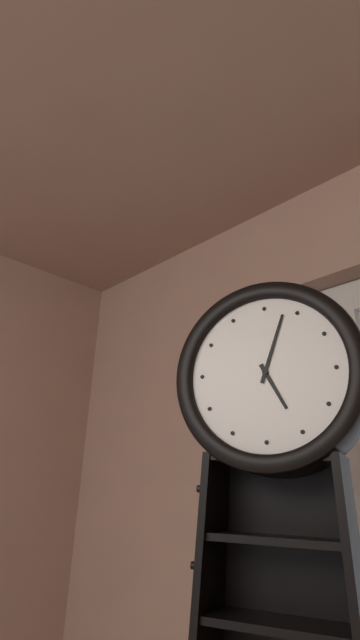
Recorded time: 5:03
